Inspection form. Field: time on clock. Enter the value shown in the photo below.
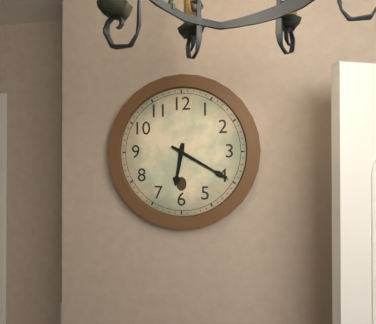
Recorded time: 6:20
